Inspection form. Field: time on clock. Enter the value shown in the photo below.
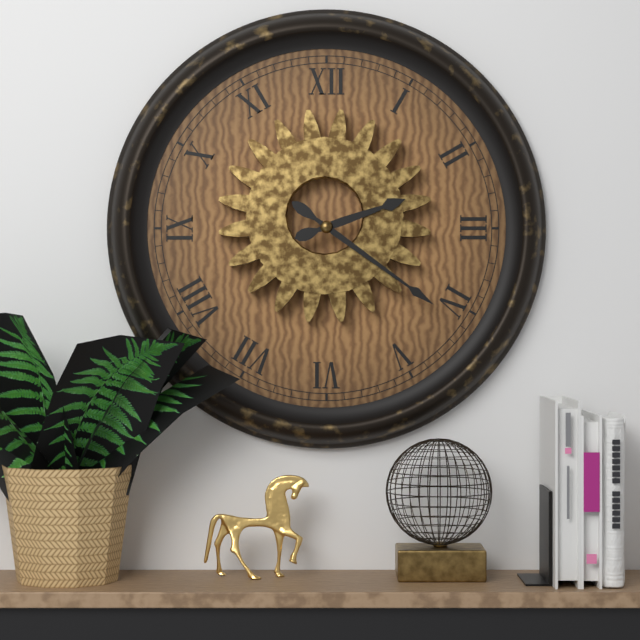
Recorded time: 2:21
